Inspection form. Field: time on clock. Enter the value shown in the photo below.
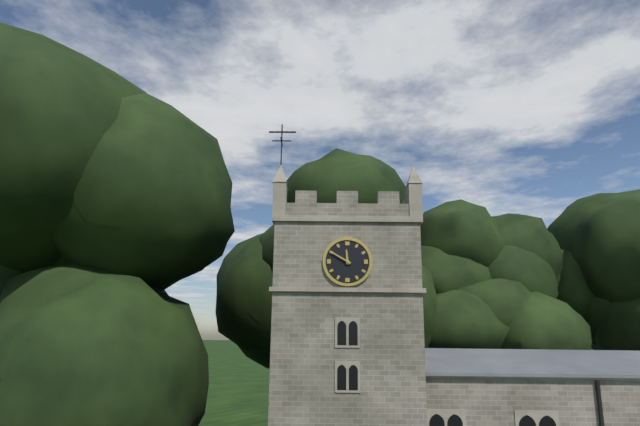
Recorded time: 11:50
